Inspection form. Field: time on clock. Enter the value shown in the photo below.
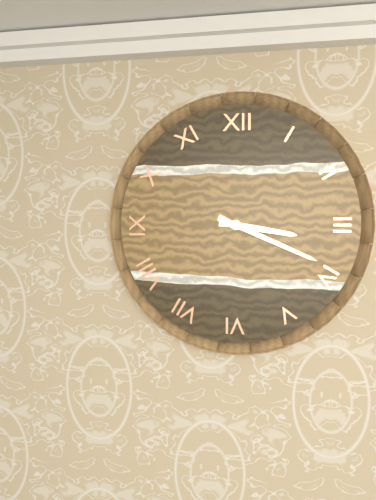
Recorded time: 3:19
